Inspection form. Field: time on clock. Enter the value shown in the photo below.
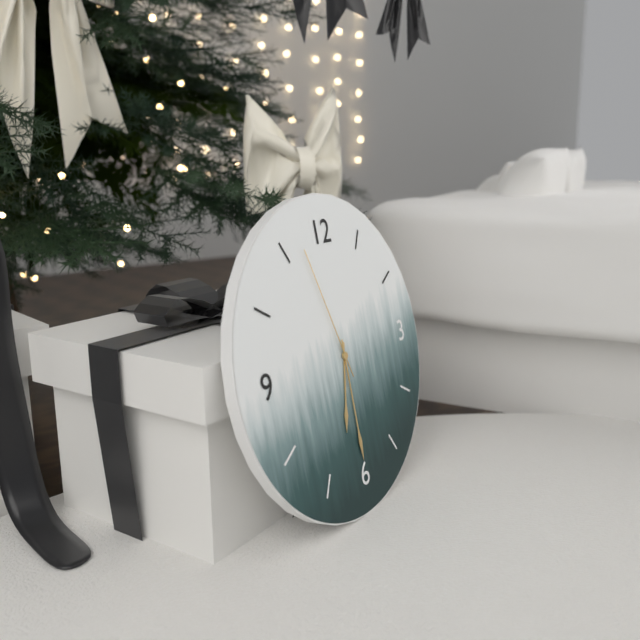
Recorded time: 6:30:57
